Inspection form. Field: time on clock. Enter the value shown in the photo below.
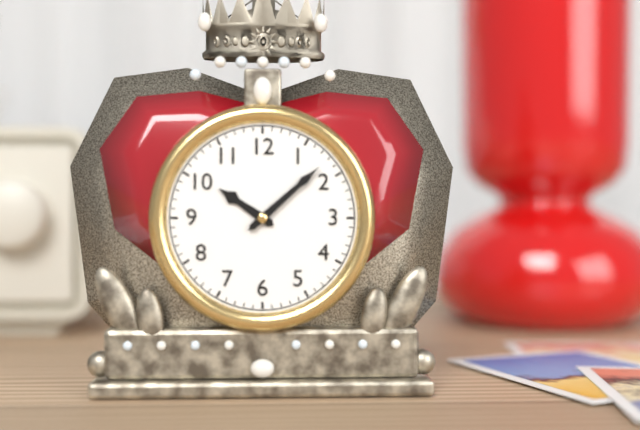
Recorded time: 10:08
